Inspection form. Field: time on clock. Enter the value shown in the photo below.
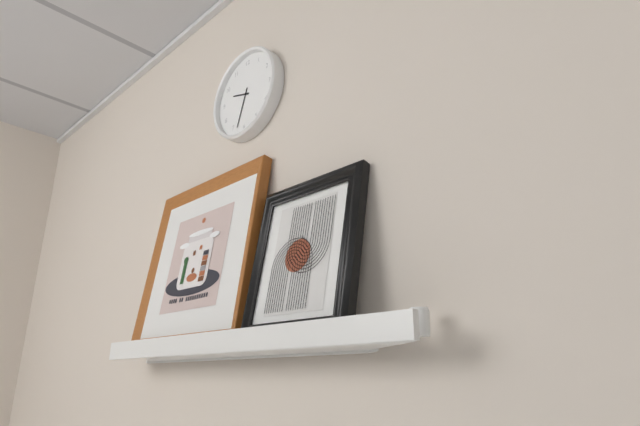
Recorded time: 9:33
